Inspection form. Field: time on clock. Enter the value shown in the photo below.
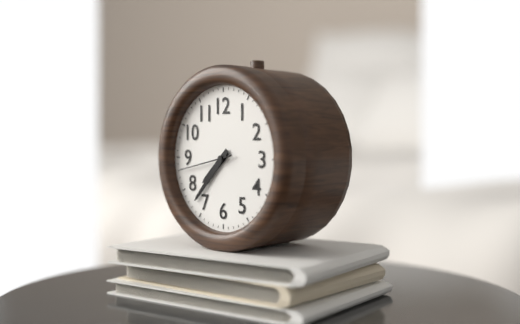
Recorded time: 7:37:43
